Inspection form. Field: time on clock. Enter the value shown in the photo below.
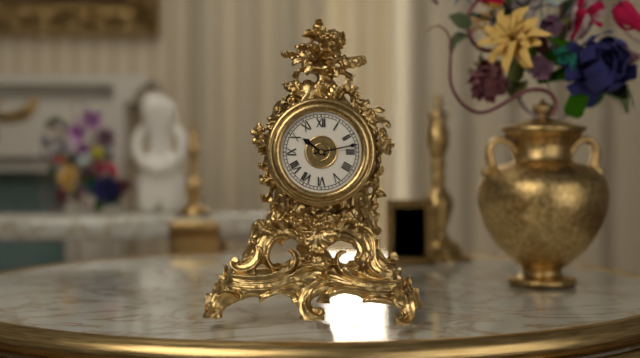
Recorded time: 10:13
